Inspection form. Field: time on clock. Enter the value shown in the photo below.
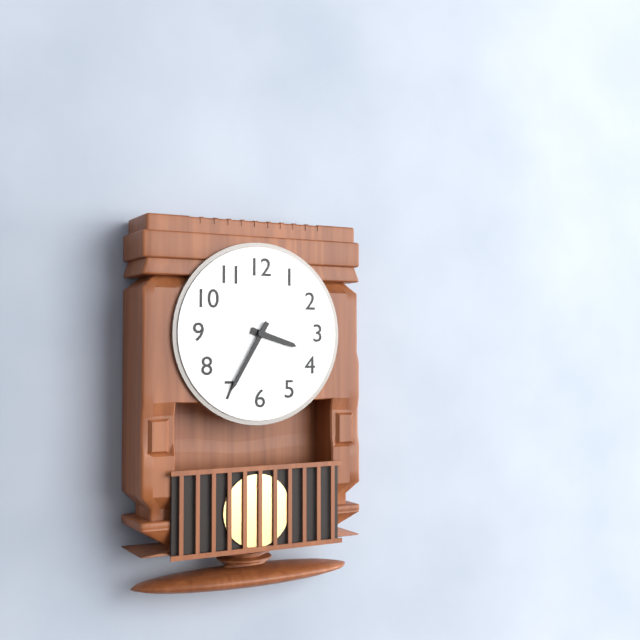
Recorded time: 3:35
